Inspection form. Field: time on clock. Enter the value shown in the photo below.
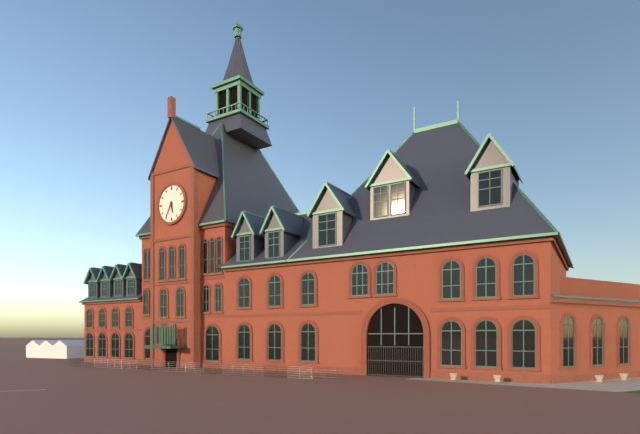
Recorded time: 5:35
